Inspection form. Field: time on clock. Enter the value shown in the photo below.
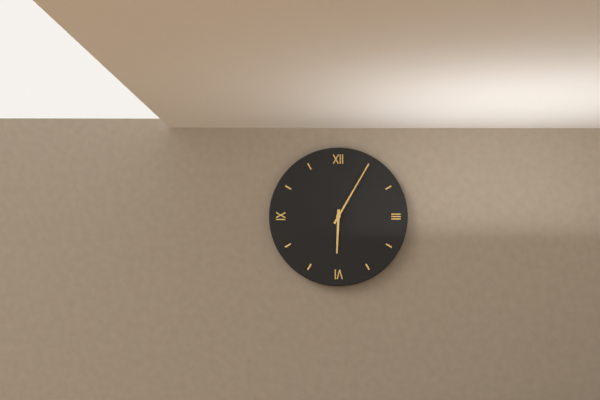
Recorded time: 6:05
